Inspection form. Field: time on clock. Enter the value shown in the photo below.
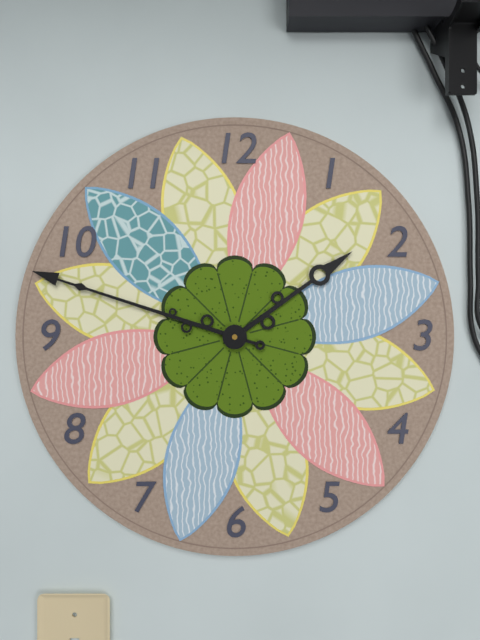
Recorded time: 1:48
